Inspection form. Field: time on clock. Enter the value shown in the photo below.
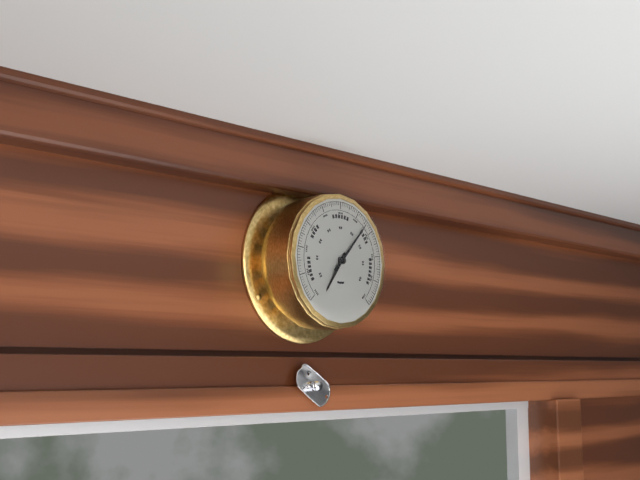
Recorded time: 7:07
